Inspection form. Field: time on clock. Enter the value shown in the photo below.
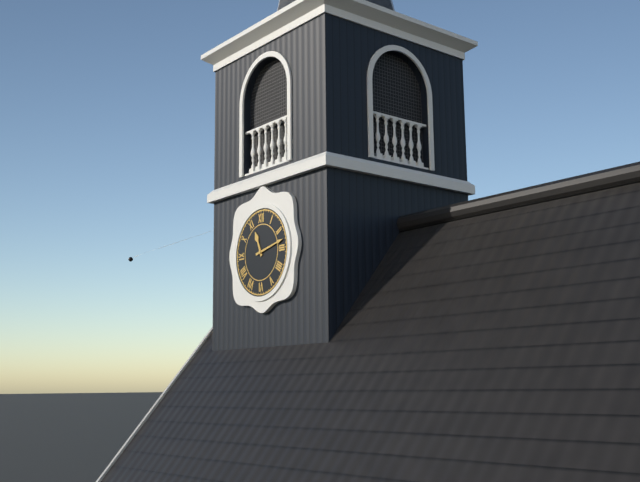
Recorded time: 11:13
